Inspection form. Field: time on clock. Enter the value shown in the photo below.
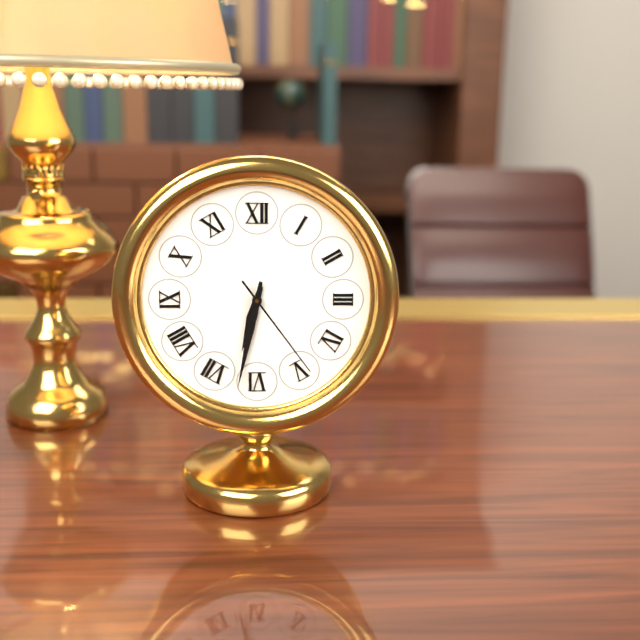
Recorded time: 6:32:24
